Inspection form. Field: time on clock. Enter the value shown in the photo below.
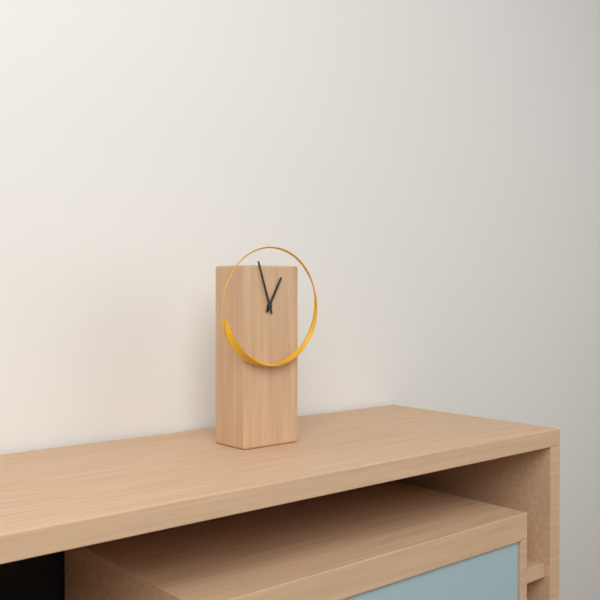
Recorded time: 12:57
